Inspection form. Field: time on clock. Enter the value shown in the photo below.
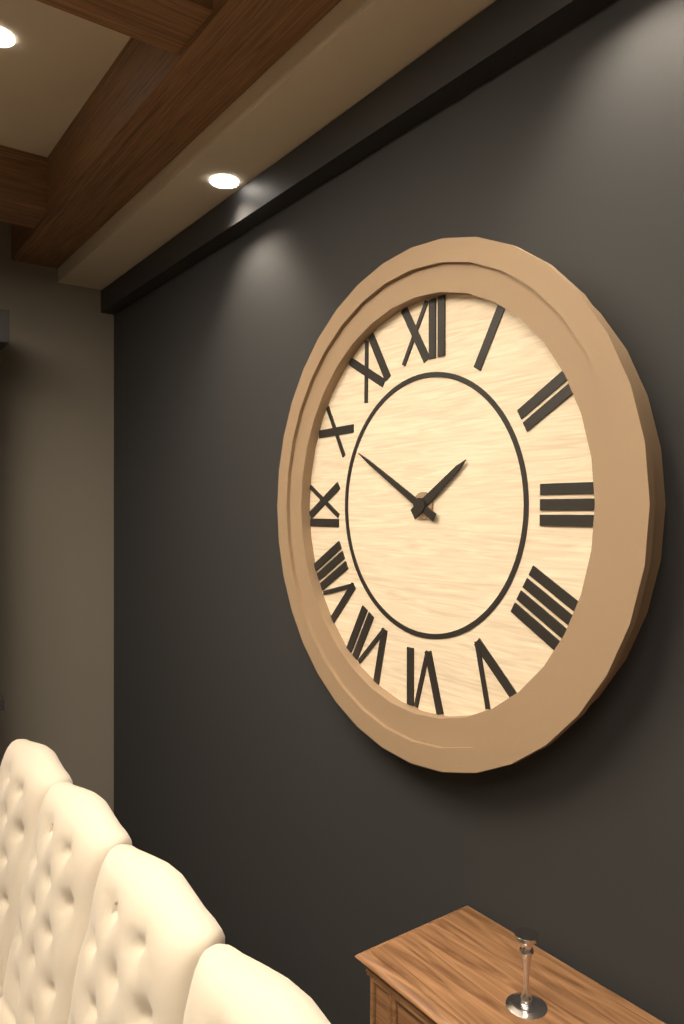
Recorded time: 1:50
